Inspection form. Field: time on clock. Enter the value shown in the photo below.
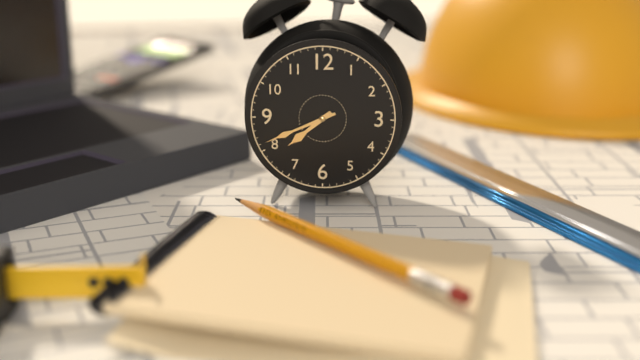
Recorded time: 7:41
